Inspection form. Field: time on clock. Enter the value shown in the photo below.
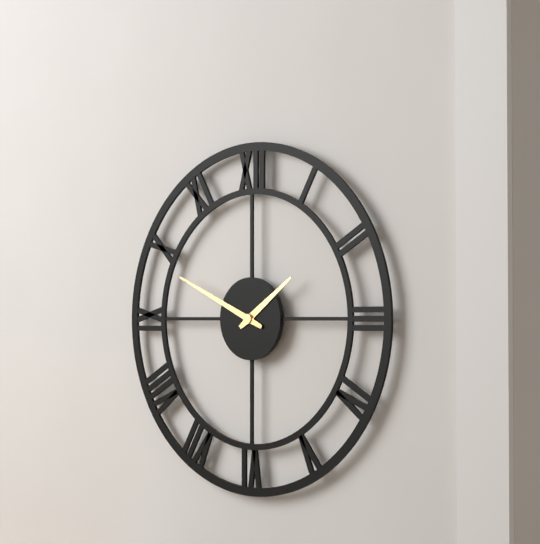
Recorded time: 1:49
